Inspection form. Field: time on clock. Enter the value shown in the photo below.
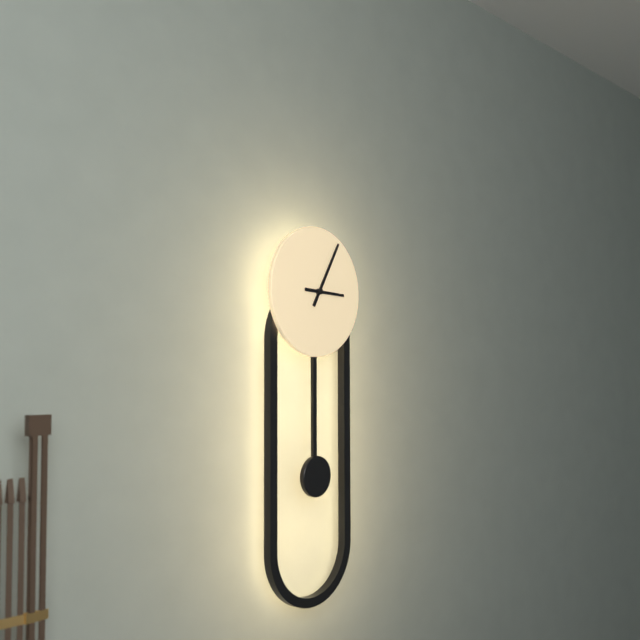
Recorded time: 3:05
